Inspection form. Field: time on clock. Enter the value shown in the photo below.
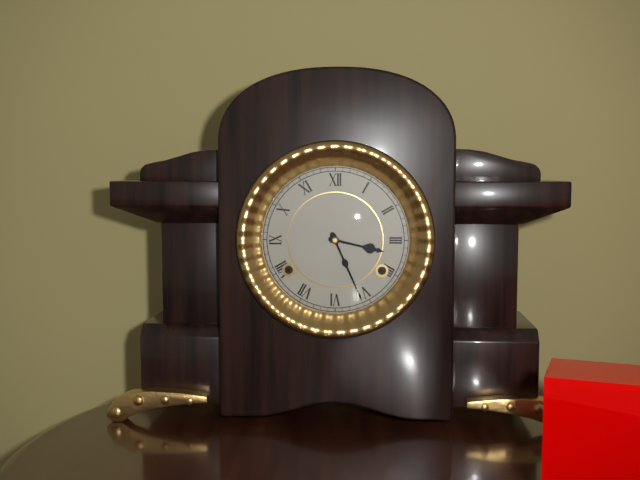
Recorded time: 3:26
